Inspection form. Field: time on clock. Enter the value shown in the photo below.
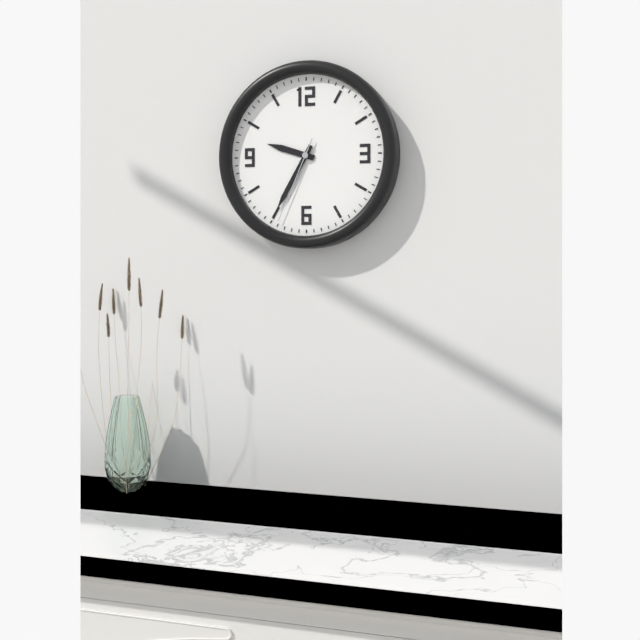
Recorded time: 9:35:34
